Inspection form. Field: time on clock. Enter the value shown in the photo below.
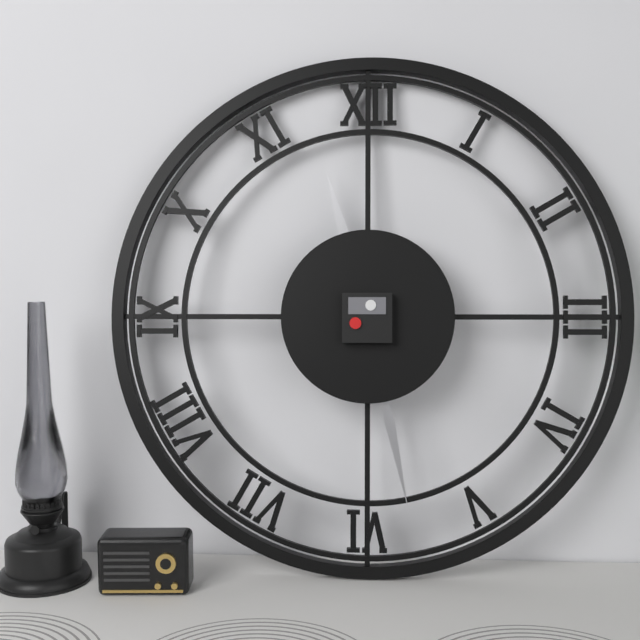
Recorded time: 11:28
